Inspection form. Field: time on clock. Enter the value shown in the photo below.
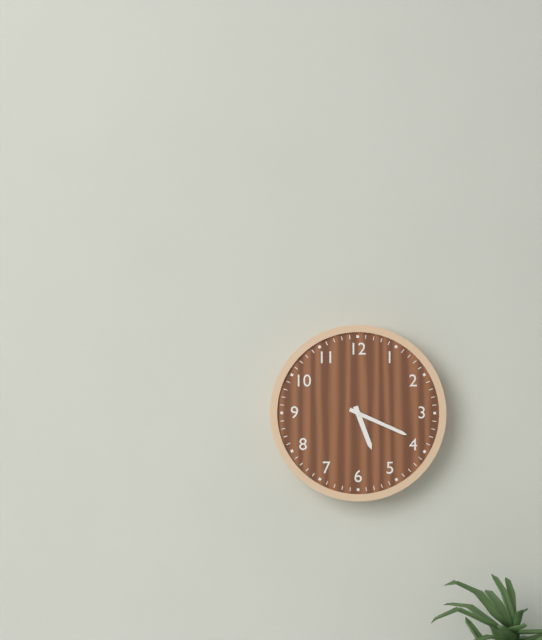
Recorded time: 5:19
